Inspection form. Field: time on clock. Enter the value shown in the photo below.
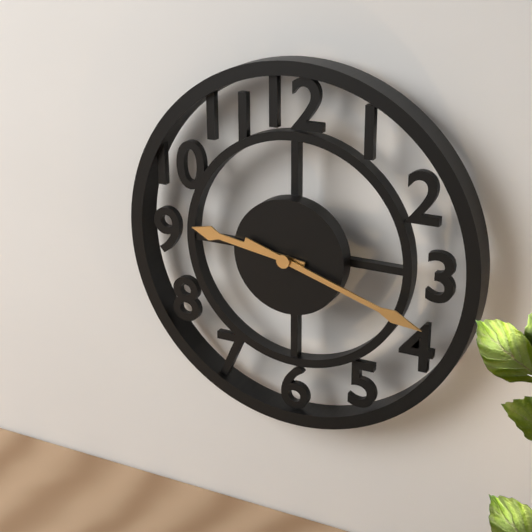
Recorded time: 9:18
